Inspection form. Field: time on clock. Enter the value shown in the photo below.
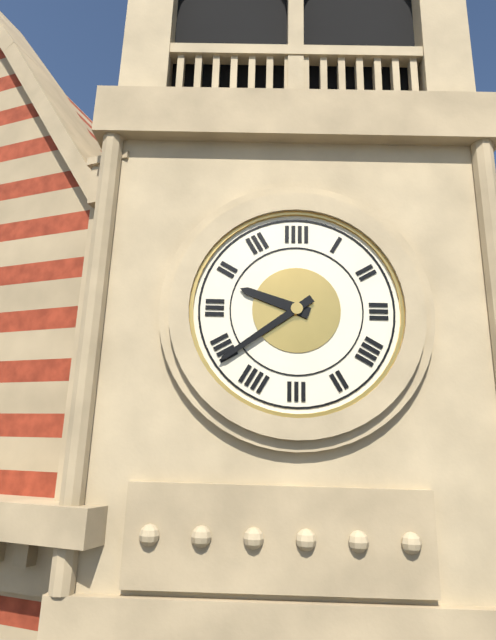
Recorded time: 9:39
